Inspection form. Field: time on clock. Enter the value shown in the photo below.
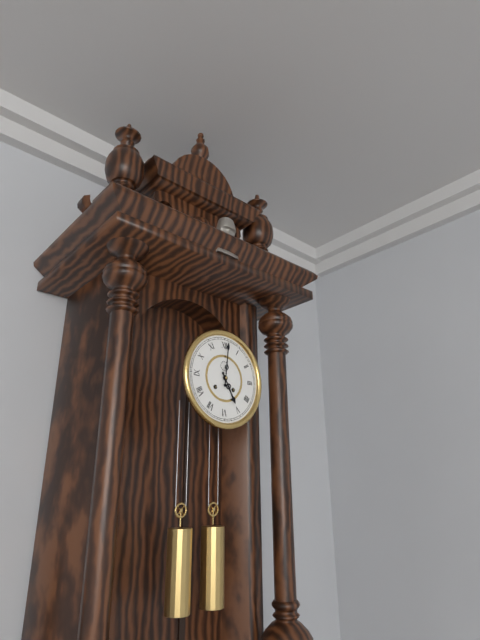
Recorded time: 5:01
